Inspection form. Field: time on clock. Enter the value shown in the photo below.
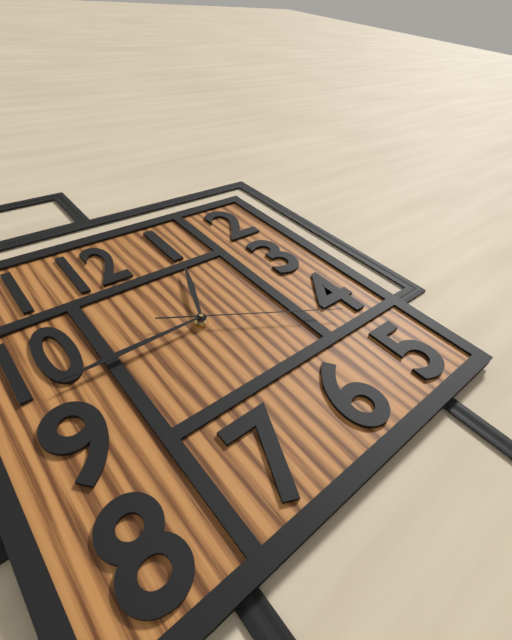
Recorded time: 12:45:20
